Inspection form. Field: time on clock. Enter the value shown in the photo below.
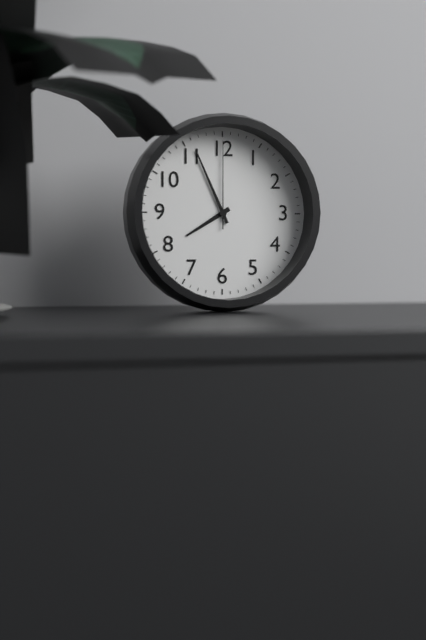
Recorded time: 7:56:00
